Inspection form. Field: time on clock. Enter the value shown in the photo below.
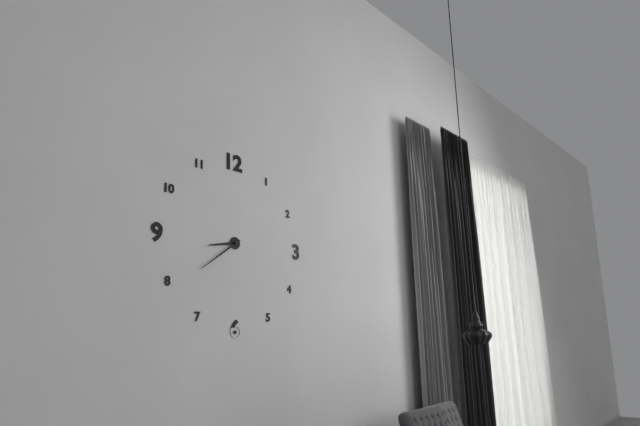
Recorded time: 8:39
